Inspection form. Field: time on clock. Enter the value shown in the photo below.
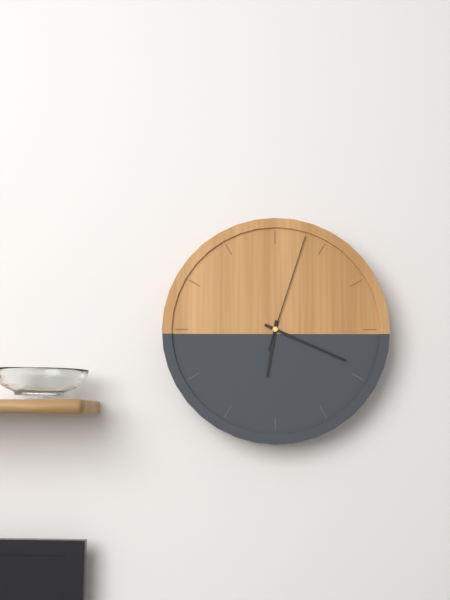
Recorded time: 6:19:03
